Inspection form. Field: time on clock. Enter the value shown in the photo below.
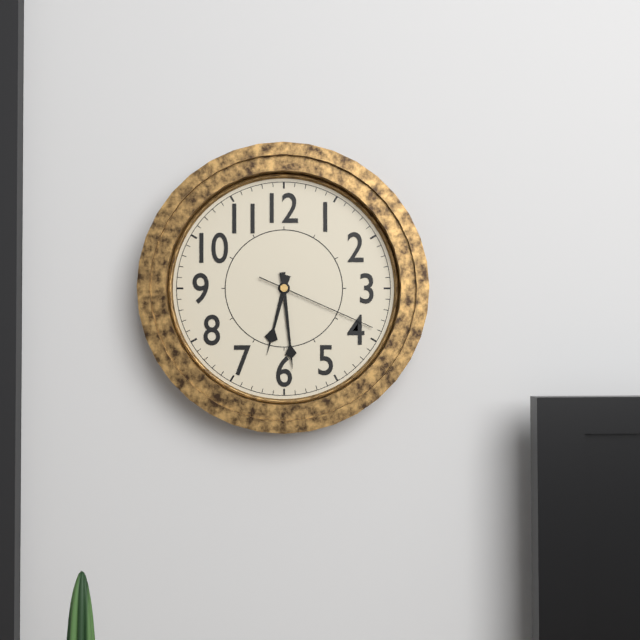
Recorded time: 6:29:19
